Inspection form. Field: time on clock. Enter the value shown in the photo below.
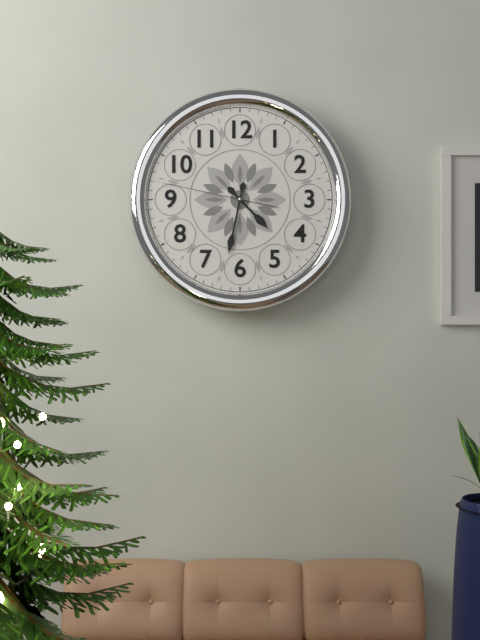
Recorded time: 4:32:47
